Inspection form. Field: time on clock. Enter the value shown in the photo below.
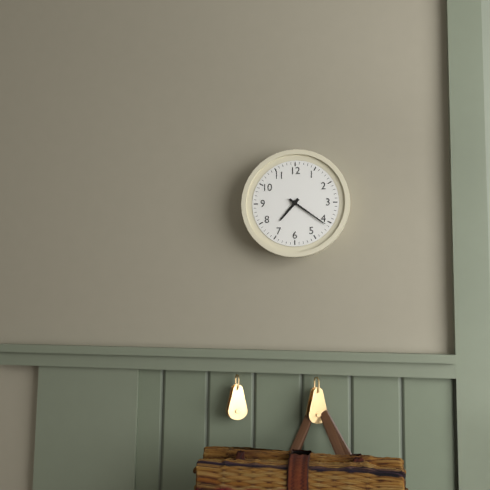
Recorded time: 7:21
